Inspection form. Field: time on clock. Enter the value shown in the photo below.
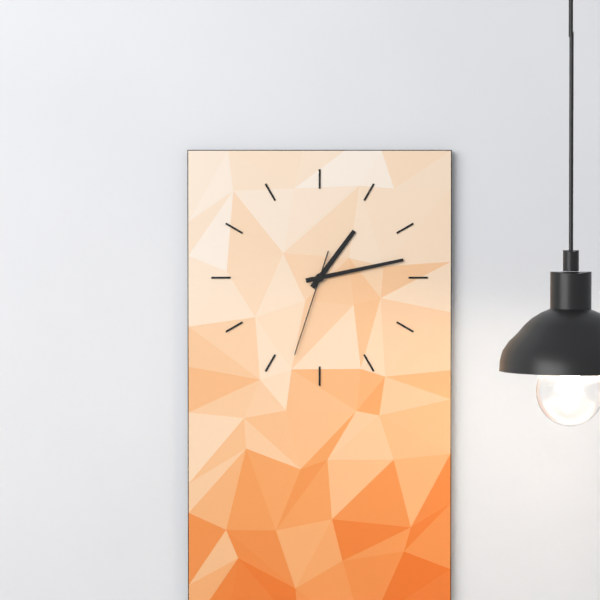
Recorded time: 1:13:33
